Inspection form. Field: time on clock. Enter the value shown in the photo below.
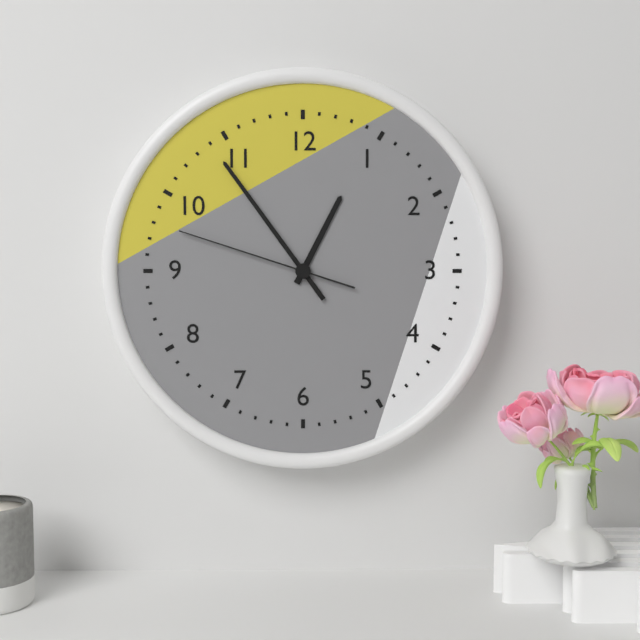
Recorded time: 12:54:48
